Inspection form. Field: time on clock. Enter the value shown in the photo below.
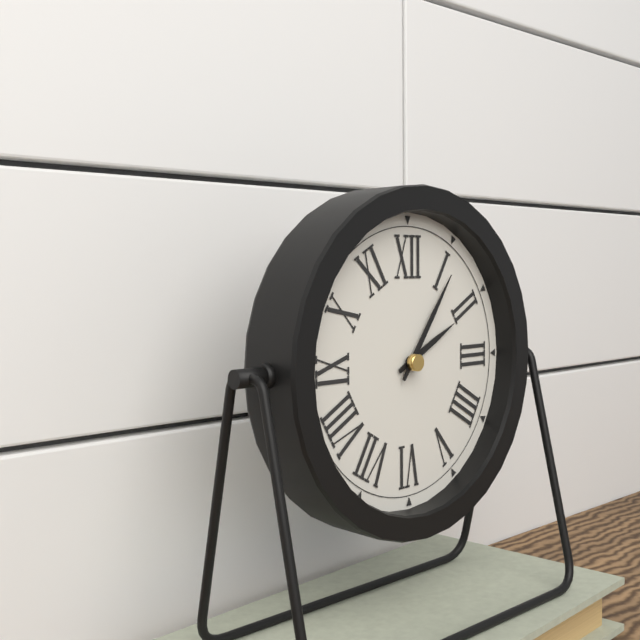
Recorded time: 2:06
